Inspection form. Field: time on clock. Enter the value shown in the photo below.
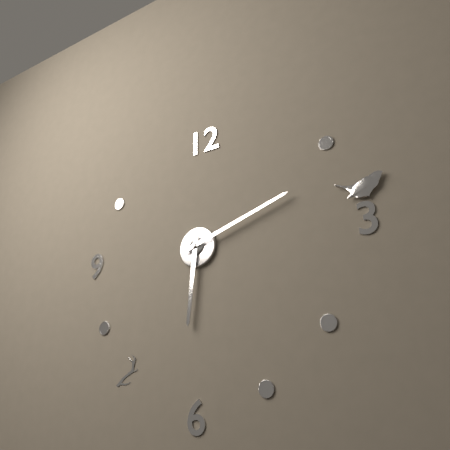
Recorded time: 6:12
